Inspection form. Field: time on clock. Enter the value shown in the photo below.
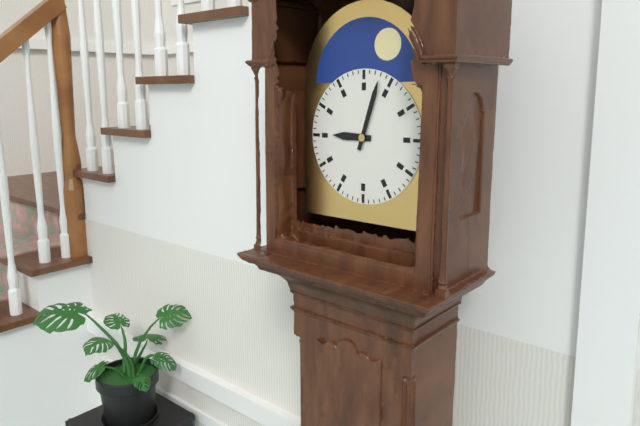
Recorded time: 9:03
